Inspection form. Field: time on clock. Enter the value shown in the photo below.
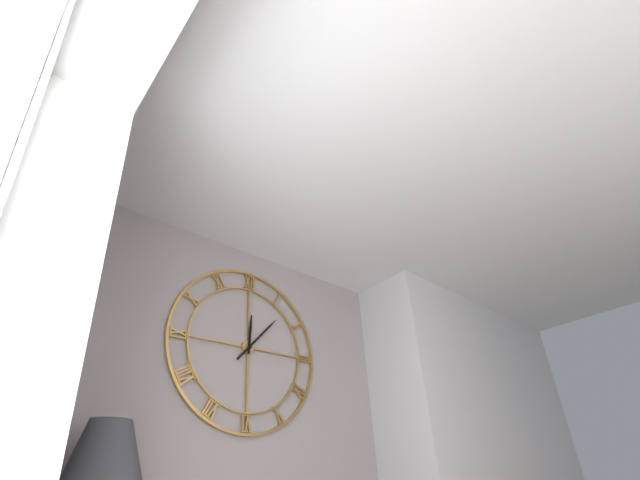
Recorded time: 12:07
